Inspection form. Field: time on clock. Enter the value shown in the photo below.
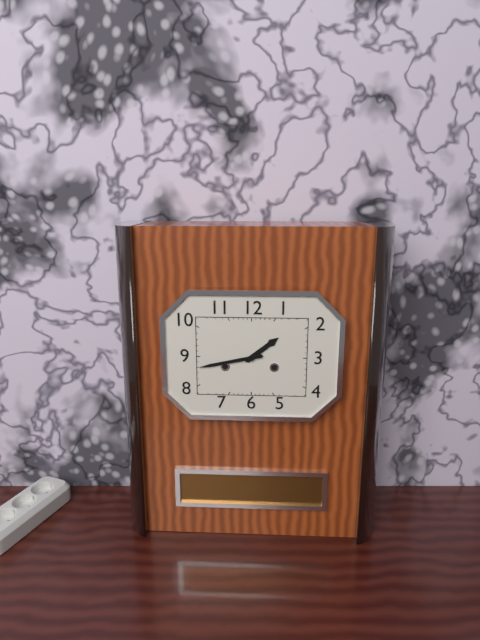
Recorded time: 1:43
